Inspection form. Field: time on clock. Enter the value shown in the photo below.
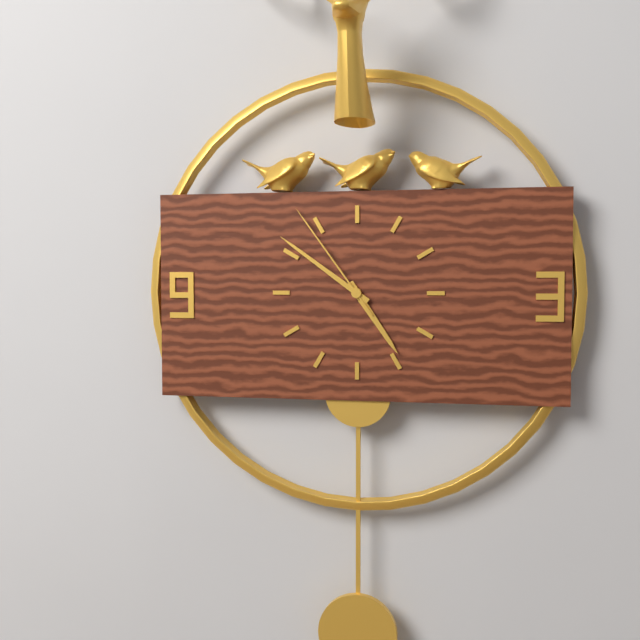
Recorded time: 4:51:54
